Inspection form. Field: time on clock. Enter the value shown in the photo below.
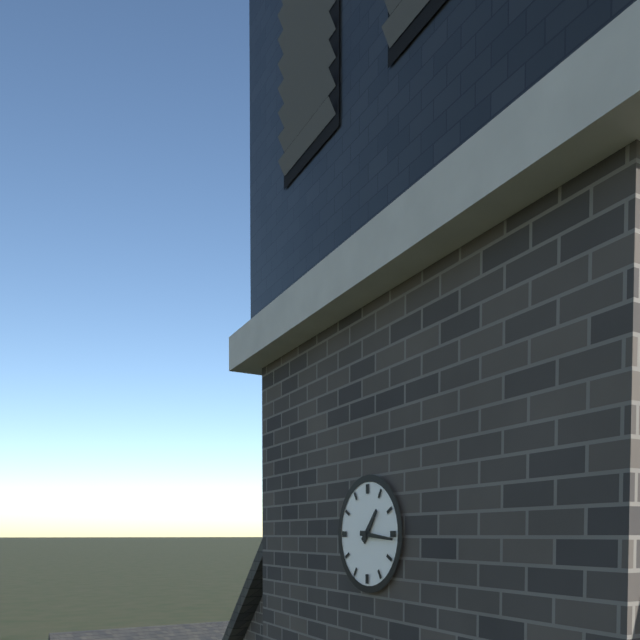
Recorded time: 1:16
